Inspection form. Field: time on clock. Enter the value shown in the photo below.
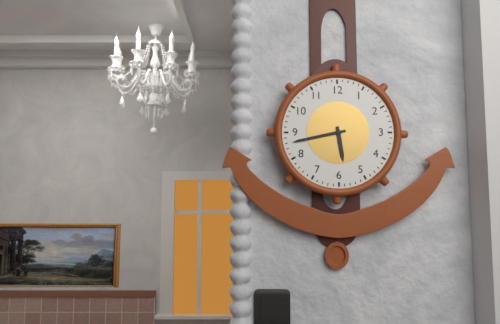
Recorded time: 5:43
